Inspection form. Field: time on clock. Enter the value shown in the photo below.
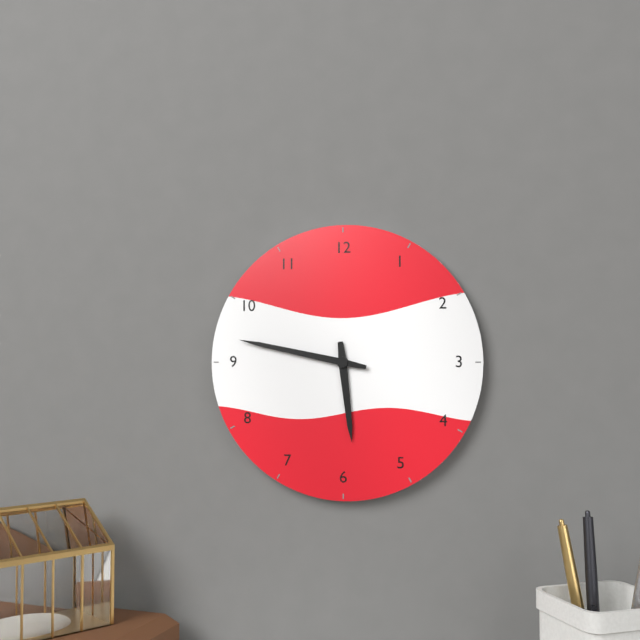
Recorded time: 5:47
